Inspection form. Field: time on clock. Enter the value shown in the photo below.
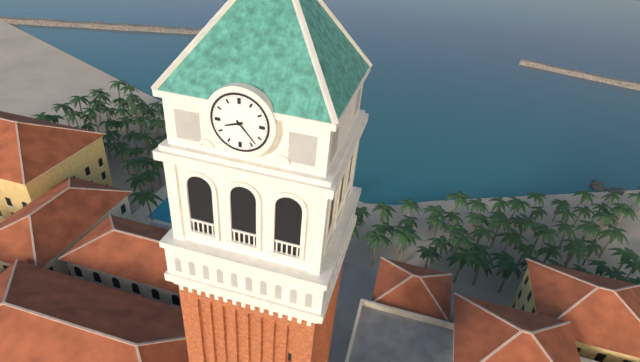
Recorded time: 8:23
